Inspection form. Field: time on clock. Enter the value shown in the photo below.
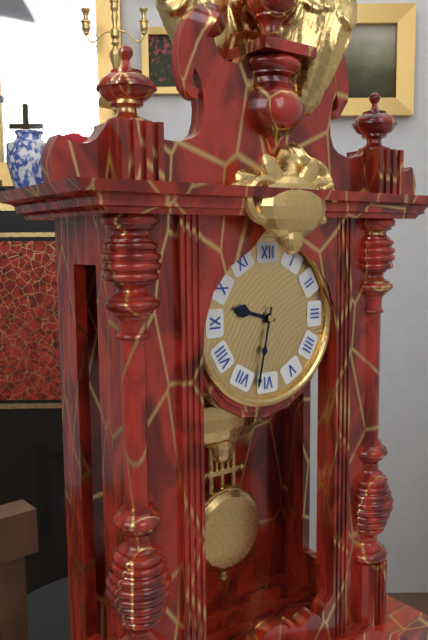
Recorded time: 9:32
